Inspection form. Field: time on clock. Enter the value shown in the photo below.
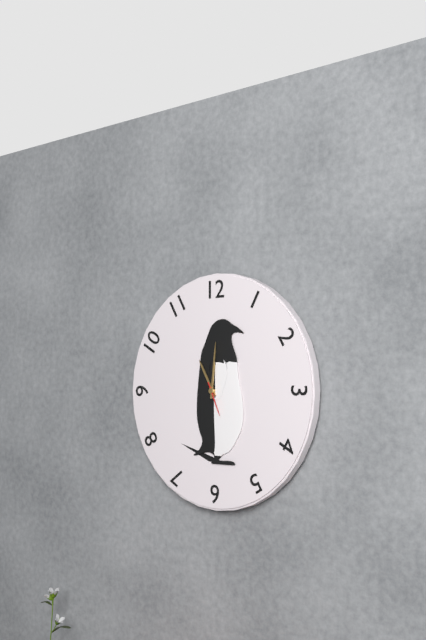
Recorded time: 11:01
